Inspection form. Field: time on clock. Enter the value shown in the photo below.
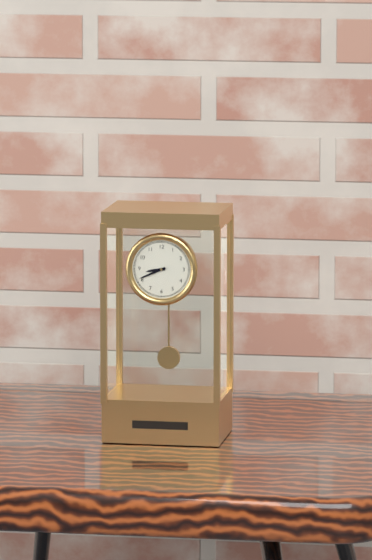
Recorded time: 8:41
